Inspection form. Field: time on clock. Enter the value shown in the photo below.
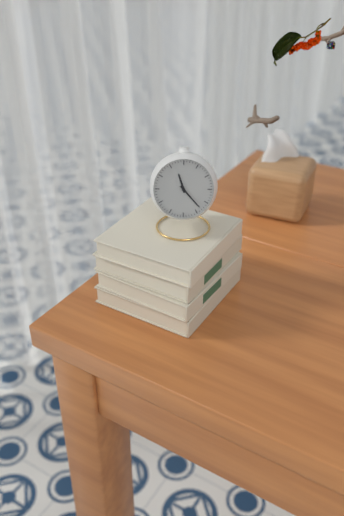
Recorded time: 11:23
